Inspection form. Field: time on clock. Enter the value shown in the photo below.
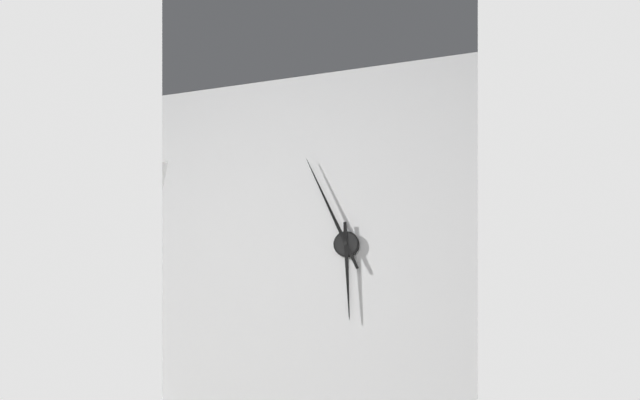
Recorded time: 5:56
